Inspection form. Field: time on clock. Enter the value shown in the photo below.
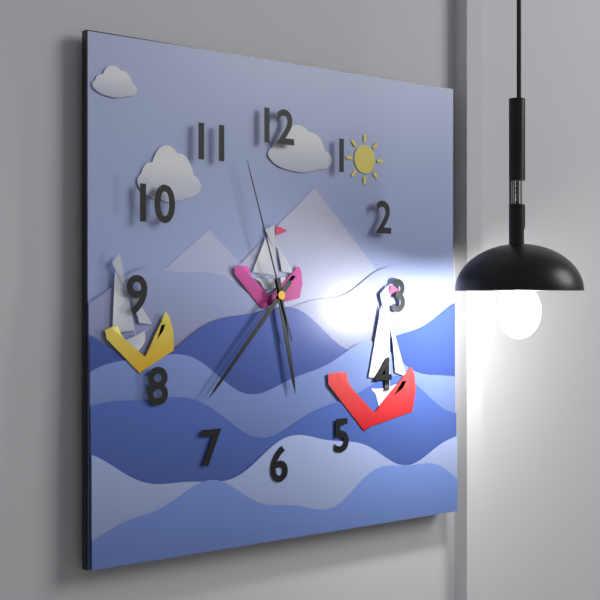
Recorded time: 5:37:57
